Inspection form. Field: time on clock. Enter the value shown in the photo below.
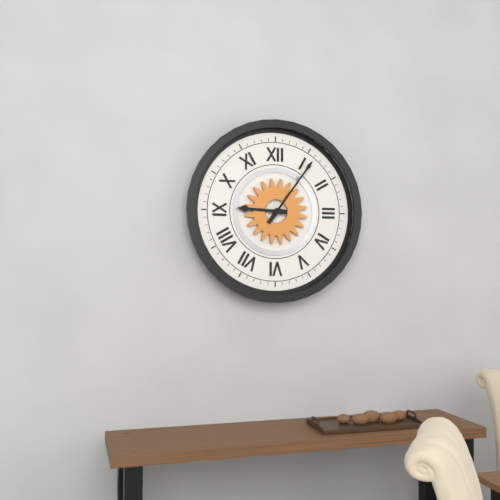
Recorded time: 9:06
